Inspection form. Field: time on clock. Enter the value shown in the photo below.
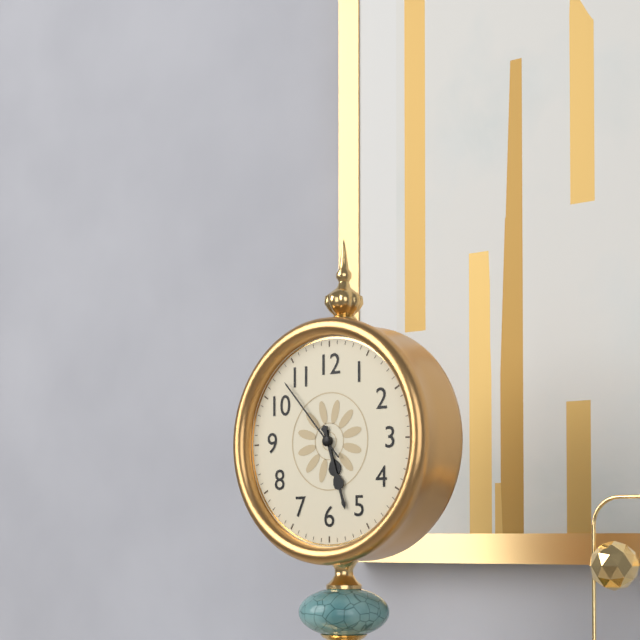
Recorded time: 5:27:53
